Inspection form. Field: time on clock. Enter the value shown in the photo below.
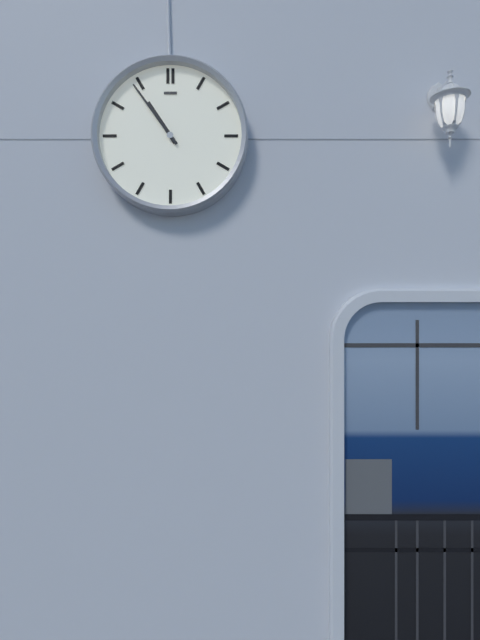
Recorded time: 10:54
